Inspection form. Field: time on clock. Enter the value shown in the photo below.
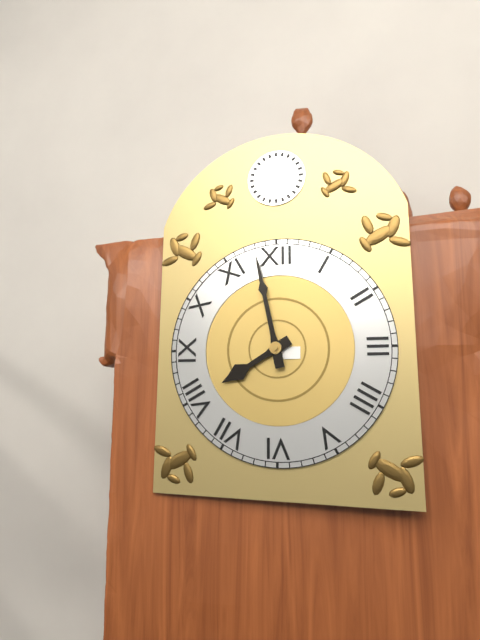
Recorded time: 7:58
